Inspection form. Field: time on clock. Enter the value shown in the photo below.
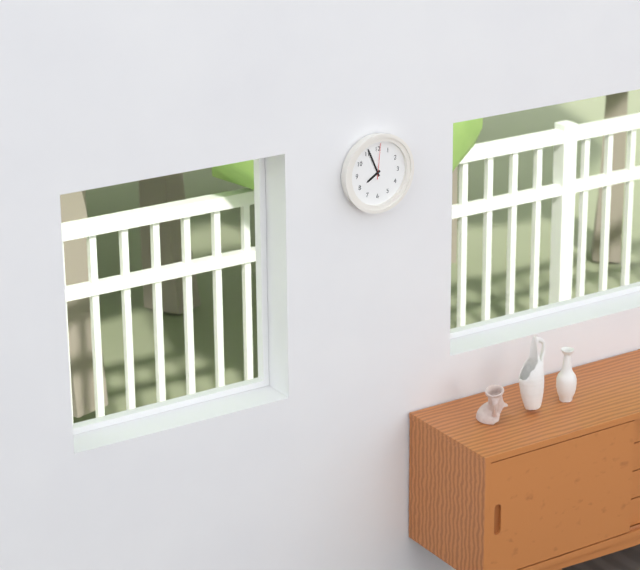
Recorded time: 7:56
